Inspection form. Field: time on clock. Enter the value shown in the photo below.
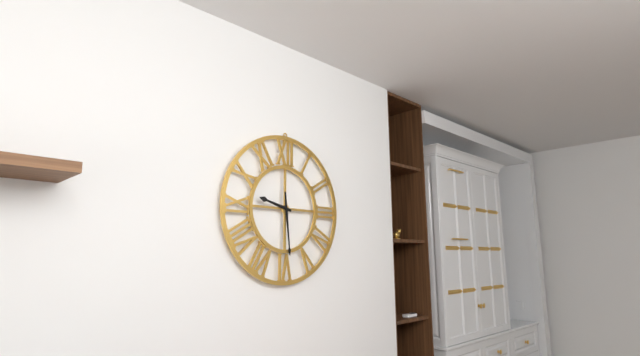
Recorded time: 9:29
